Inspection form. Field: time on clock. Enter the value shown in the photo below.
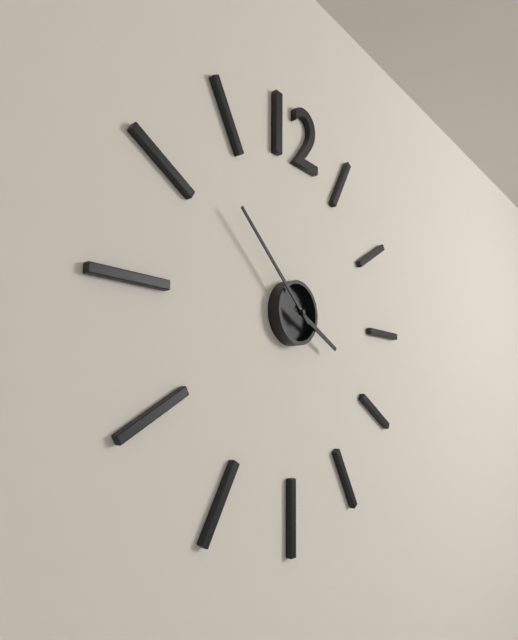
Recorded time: 3:52
